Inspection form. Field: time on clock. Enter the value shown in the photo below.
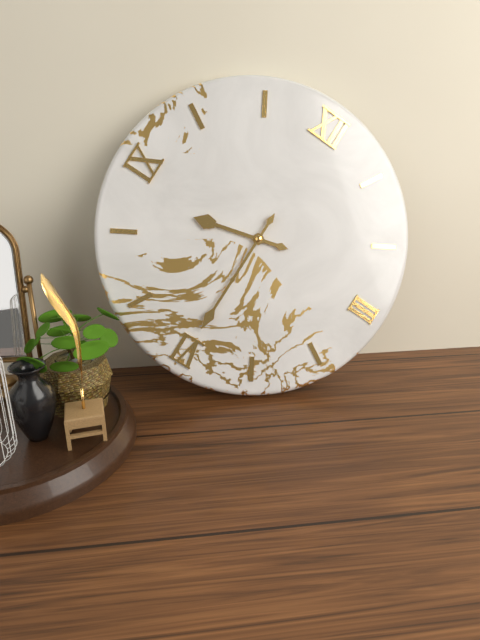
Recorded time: 8:30
